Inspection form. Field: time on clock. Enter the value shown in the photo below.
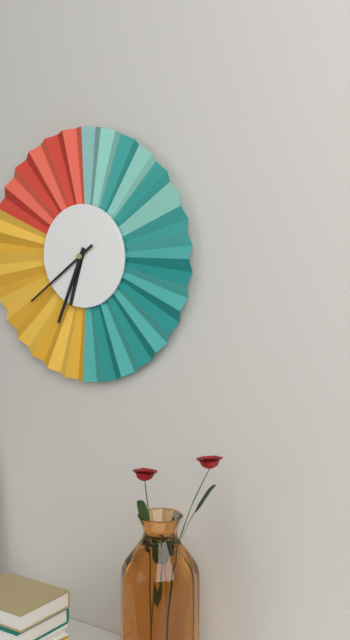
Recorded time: 6:34:39
